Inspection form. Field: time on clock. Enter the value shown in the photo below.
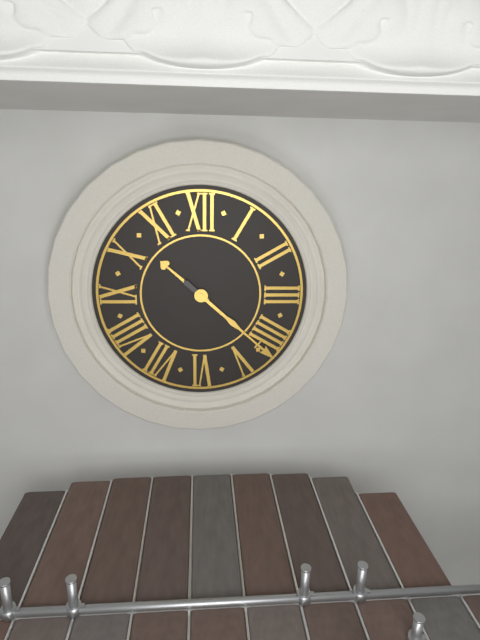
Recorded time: 10:22
